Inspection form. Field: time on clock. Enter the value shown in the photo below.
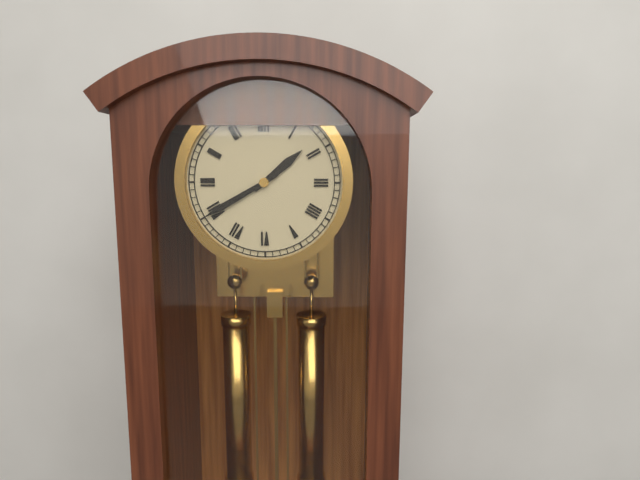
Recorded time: 1:40
